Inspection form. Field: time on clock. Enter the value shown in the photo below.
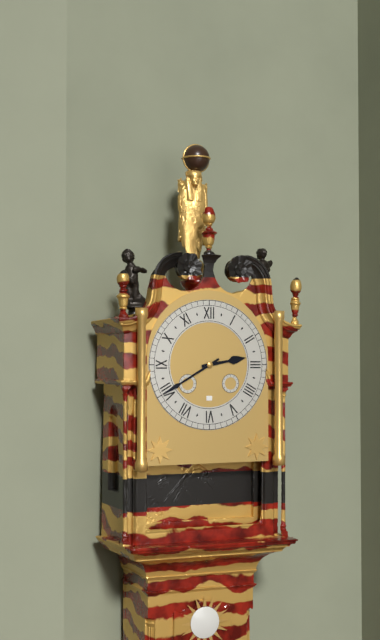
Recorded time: 2:40
